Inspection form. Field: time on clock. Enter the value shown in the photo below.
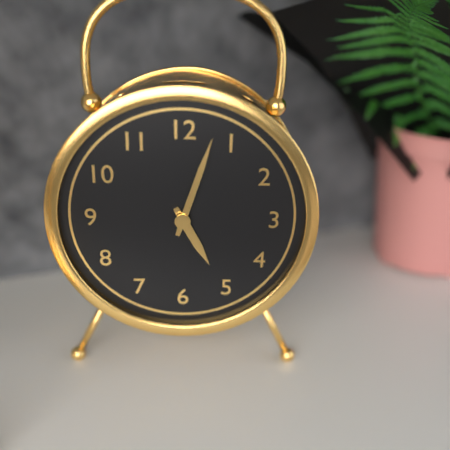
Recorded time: 5:03
